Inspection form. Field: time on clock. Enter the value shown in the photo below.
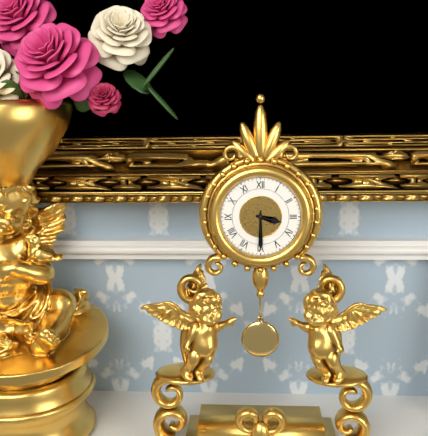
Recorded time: 3:30
